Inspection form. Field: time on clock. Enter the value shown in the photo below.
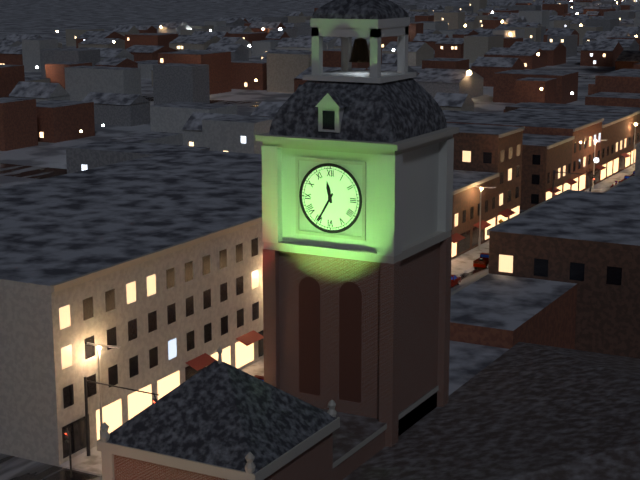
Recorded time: 11:35
